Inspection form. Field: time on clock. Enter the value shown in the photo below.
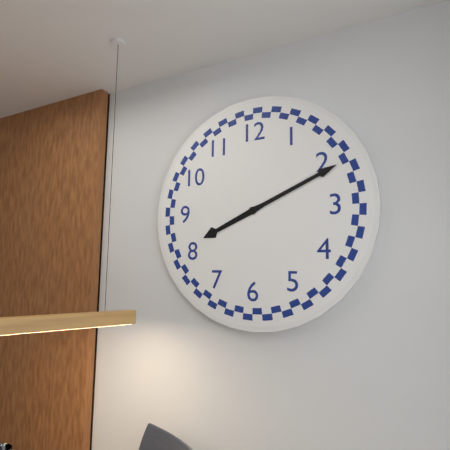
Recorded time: 8:11
